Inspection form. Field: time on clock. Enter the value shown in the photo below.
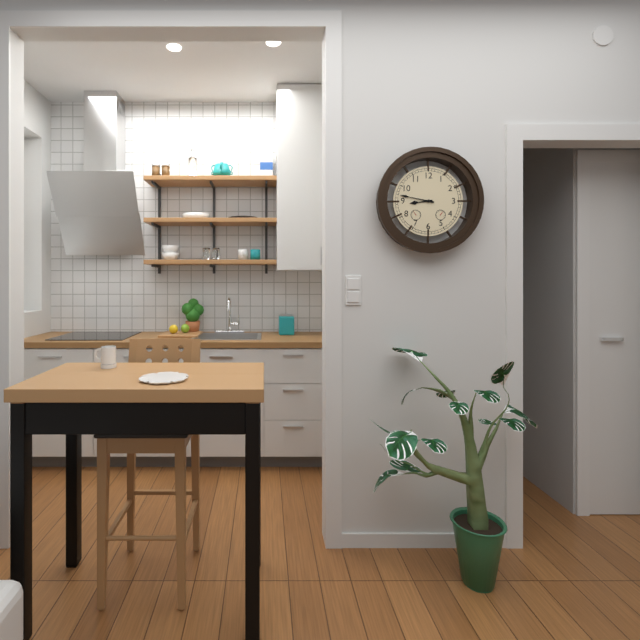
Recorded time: 8:47
